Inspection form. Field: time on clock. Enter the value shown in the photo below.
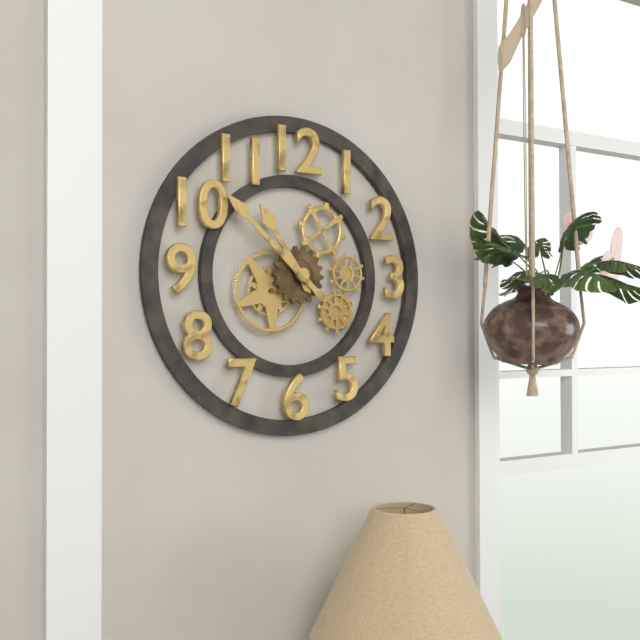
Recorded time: 10:52
